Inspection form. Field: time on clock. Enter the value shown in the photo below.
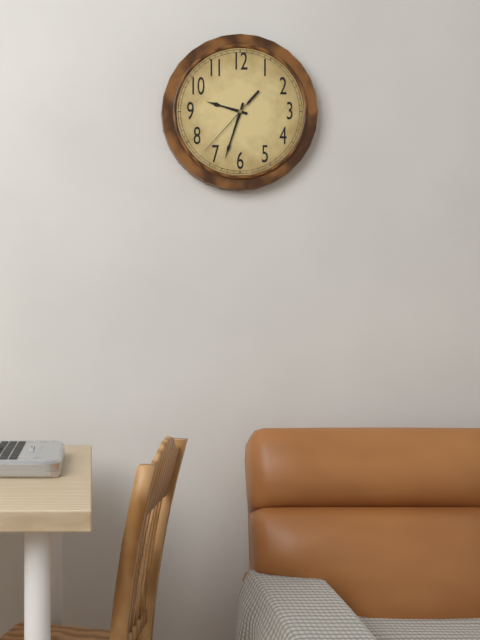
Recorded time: 9:33:37
